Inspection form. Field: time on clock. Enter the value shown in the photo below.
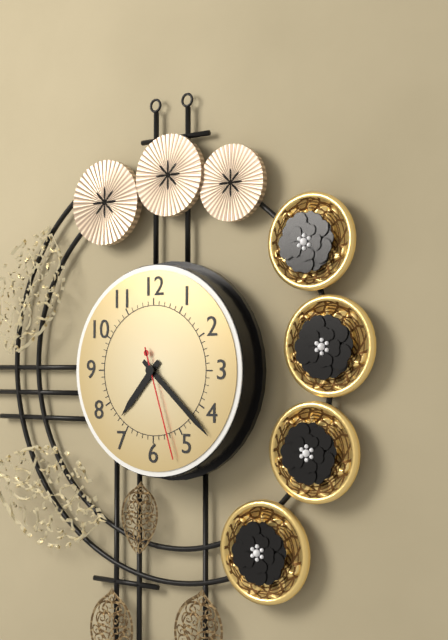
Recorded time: 7:22:27
